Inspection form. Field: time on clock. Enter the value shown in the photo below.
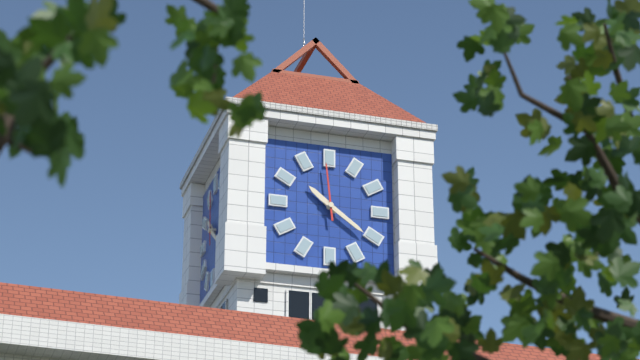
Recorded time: 10:21:59
